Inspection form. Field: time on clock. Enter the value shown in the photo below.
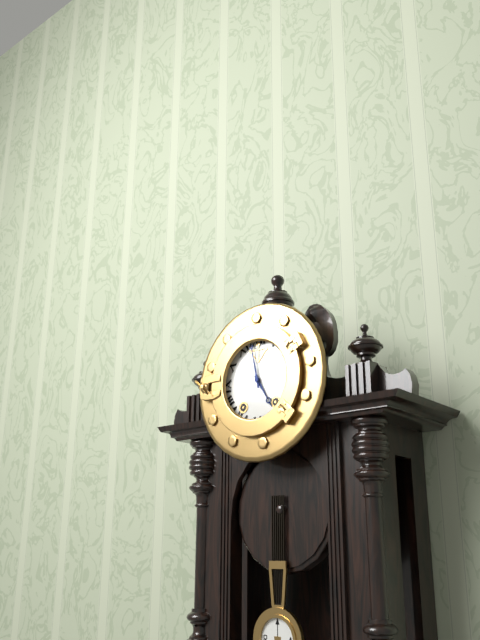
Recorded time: 4:58
